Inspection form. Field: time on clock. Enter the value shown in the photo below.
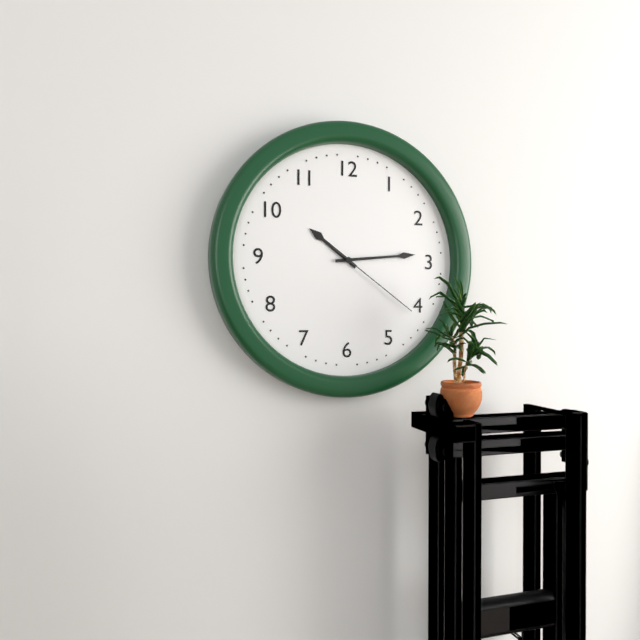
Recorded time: 10:14:21
